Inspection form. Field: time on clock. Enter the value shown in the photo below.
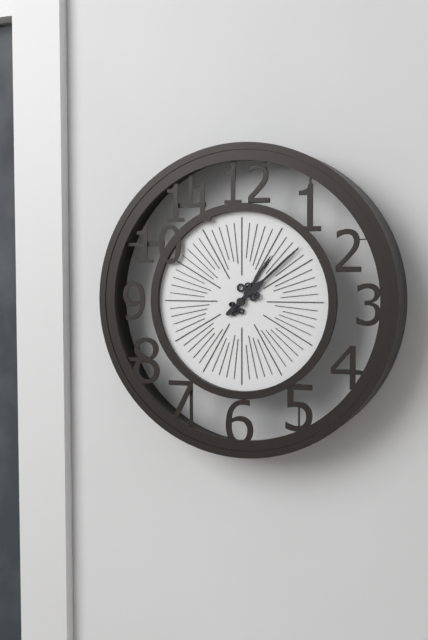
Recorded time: 1:08
